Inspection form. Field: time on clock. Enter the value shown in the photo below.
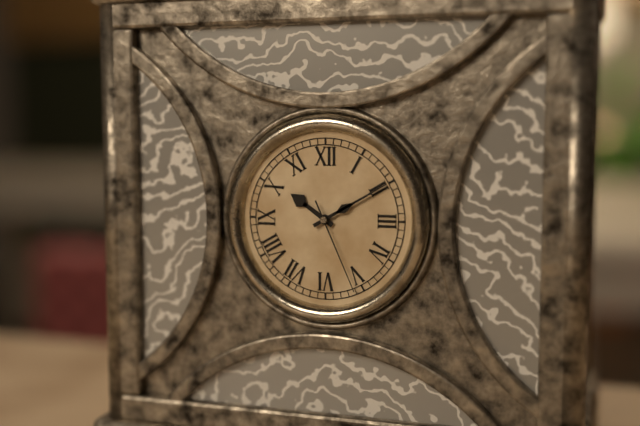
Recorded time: 10:10:26
